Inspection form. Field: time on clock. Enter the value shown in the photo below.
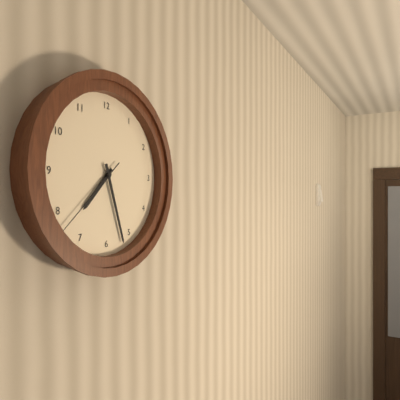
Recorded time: 7:27:38
